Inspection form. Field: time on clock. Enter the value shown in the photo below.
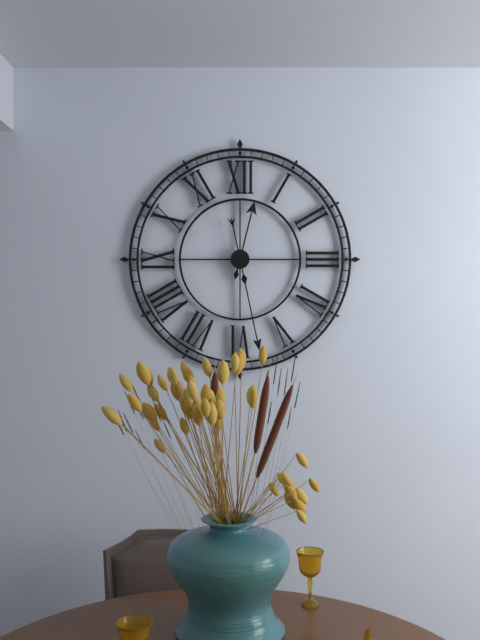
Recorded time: 12:28
